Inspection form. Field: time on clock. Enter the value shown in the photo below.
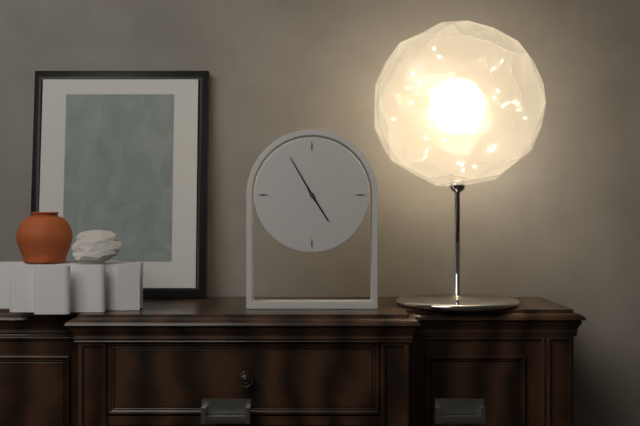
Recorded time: 4:55
